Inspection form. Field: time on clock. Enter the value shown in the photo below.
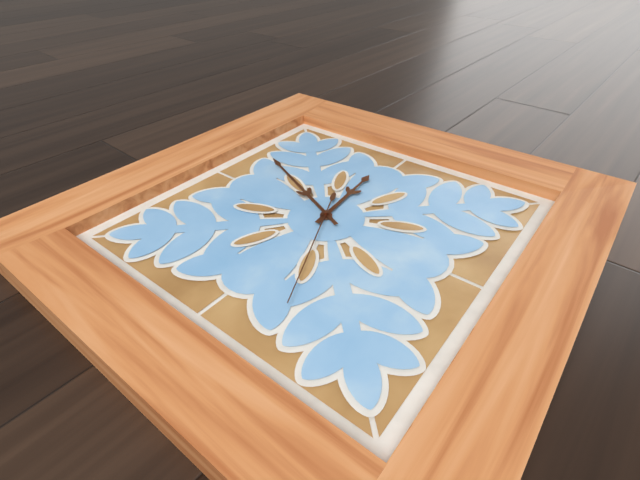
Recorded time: 11:49:26
